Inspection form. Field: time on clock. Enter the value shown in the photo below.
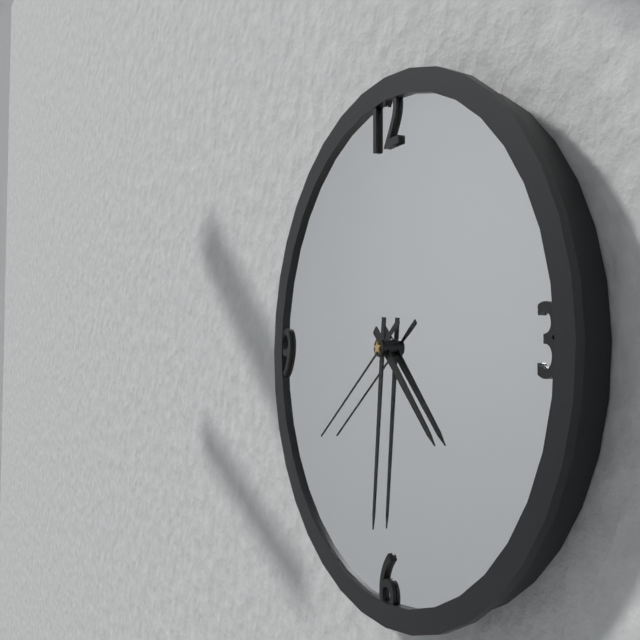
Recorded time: 4:31:39
